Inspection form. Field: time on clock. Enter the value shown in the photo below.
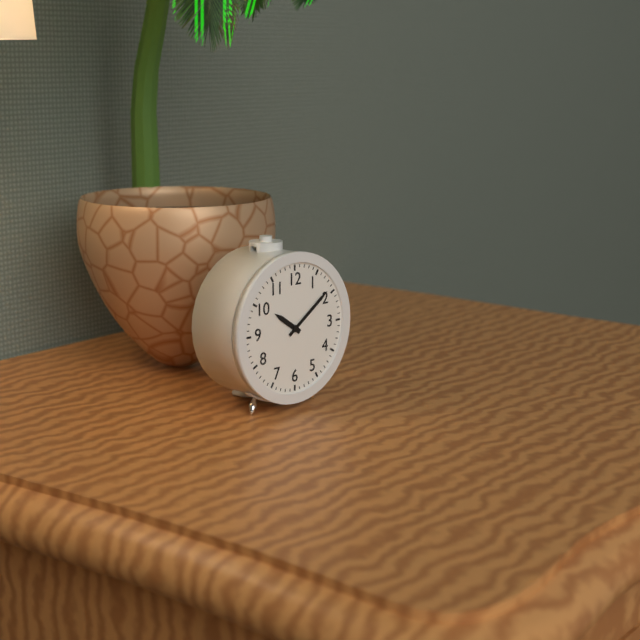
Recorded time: 10:09
